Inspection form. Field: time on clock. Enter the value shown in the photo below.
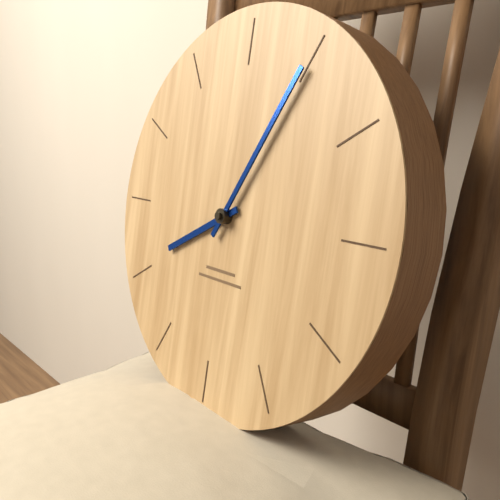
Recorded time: 8:05
